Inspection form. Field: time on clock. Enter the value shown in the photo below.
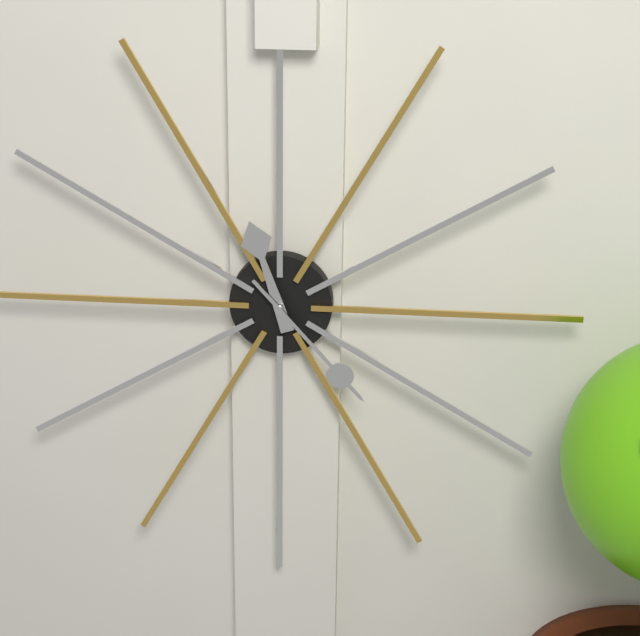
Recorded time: 11:23
